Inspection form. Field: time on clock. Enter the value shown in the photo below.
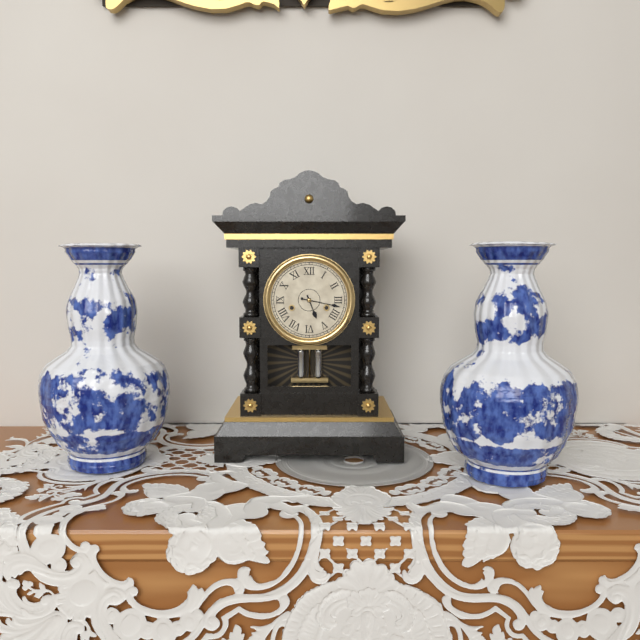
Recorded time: 5:17
